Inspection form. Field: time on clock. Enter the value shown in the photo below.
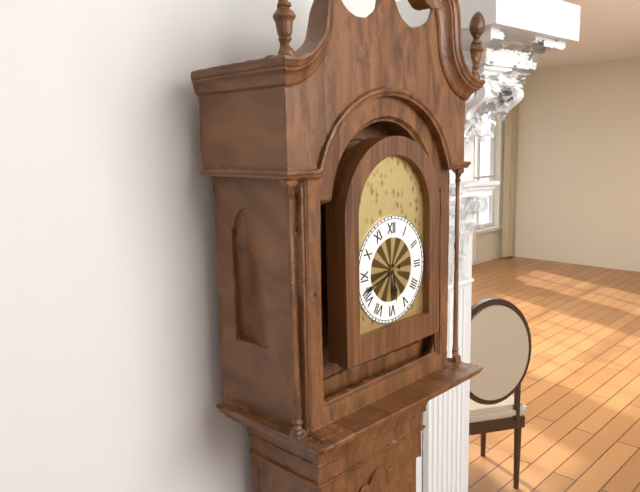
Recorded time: 5:42
